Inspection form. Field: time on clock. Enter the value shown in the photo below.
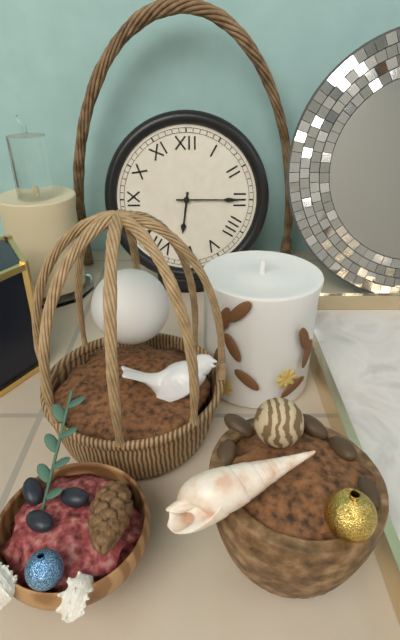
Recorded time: 6:15
